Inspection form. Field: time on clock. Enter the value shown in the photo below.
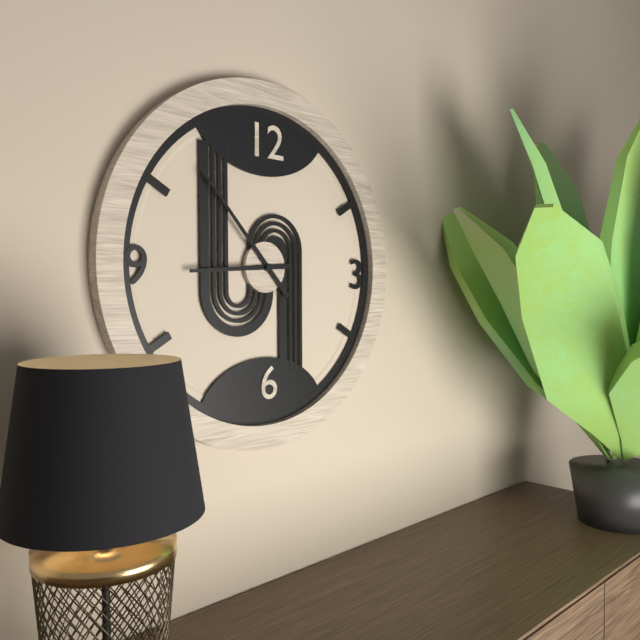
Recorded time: 8:53
